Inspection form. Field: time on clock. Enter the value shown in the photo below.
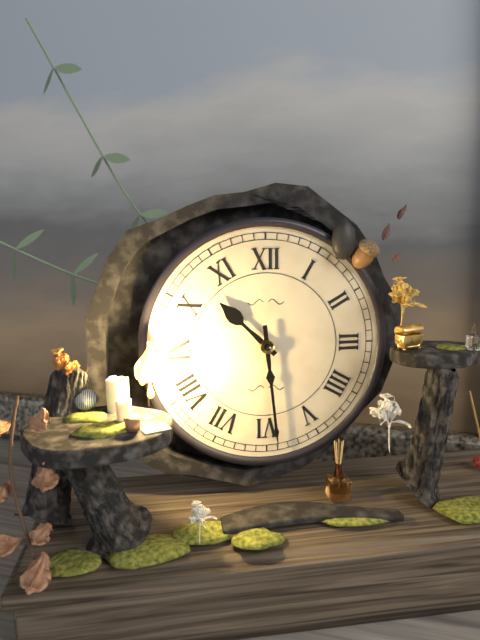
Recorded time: 10:29
